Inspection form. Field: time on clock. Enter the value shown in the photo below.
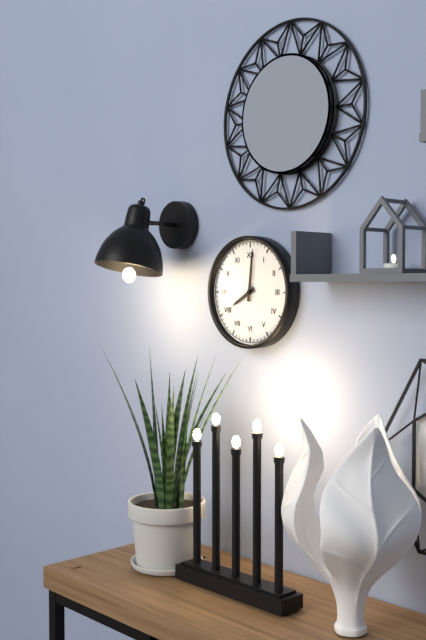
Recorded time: 8:01
